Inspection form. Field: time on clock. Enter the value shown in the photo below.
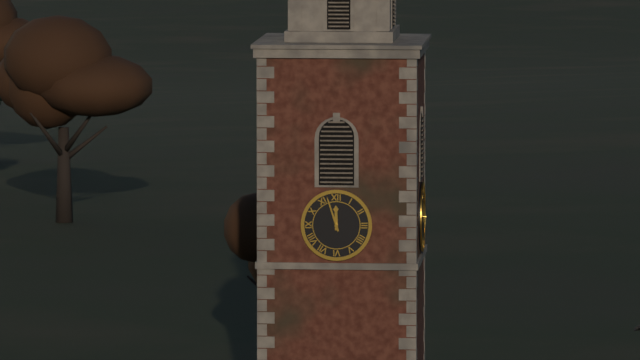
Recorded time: 11:57
